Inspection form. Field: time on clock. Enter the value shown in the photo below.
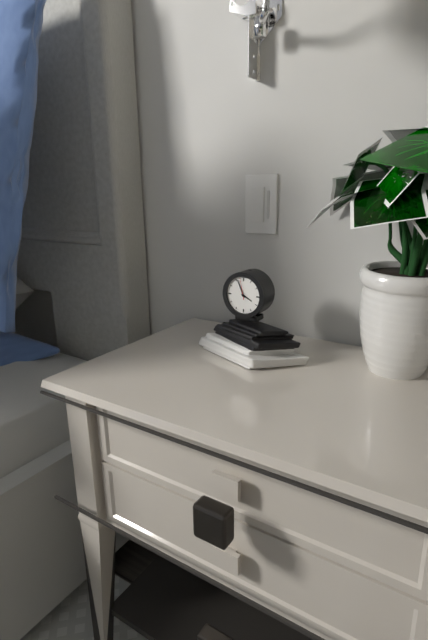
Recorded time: 3:56
